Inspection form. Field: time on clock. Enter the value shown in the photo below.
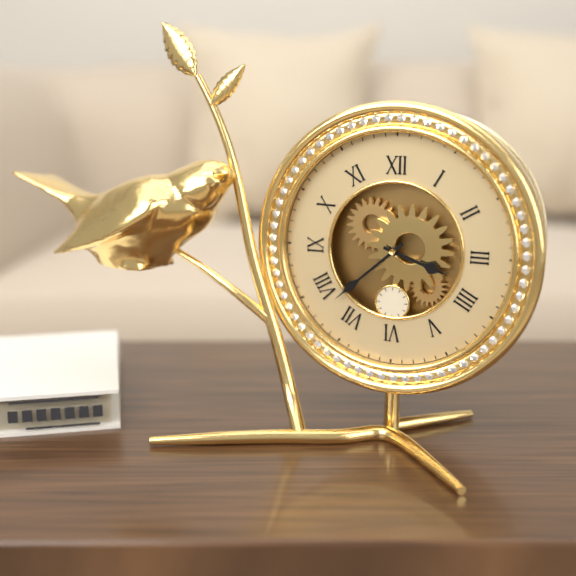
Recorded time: 3:38
